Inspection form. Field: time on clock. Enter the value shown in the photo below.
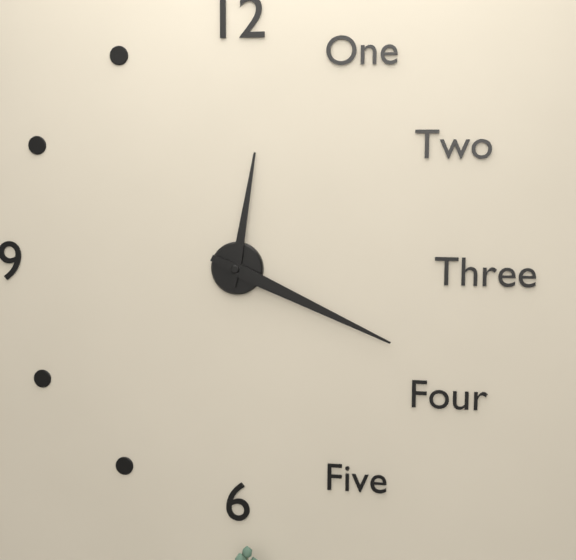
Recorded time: 12:19
